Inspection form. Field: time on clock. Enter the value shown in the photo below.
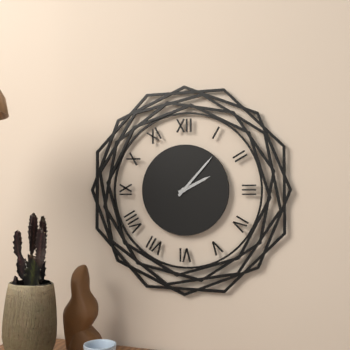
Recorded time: 2:07
